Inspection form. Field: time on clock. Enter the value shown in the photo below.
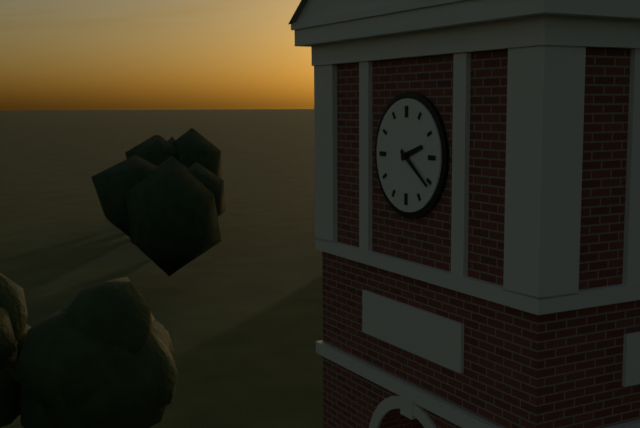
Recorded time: 2:21
